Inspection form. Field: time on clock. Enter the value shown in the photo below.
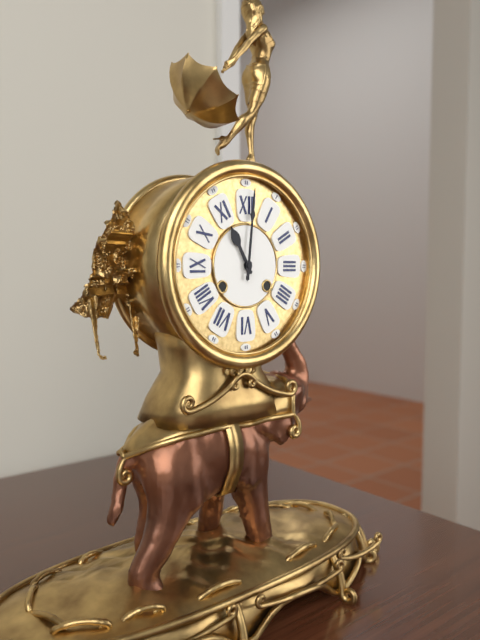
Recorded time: 11:01
